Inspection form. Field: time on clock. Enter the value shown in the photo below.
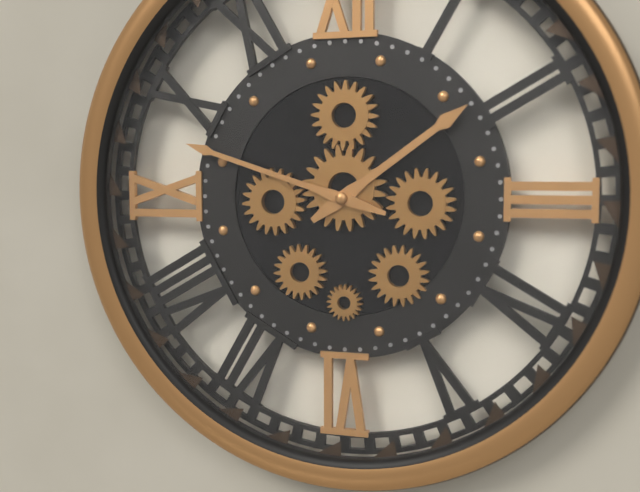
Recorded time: 1:48
